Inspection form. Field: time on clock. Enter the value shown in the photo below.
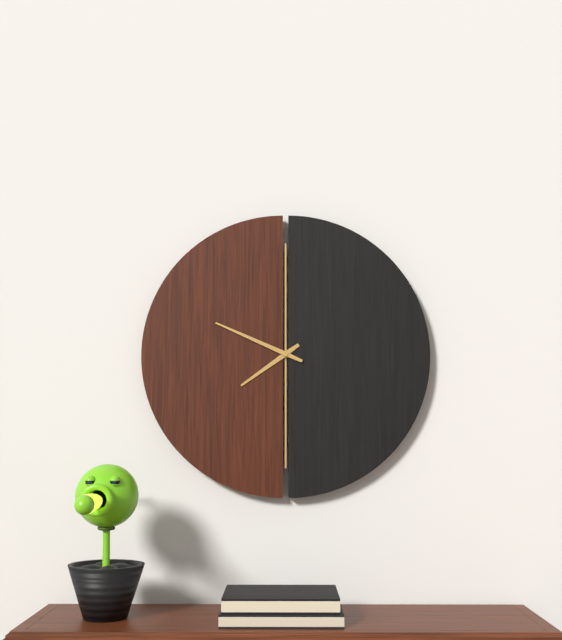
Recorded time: 7:49
